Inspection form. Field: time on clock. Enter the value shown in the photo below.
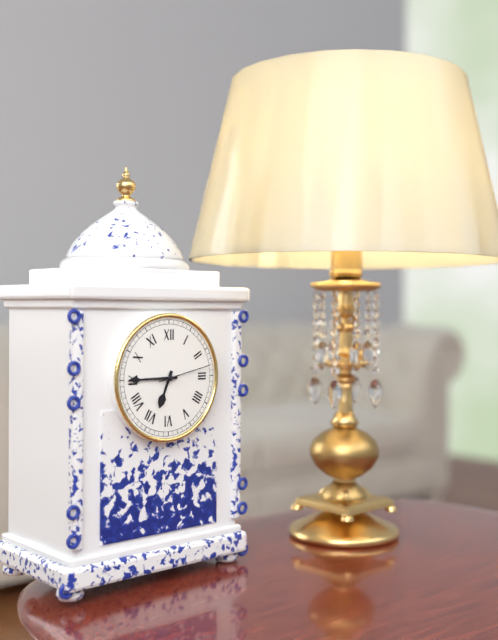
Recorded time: 6:45:13
